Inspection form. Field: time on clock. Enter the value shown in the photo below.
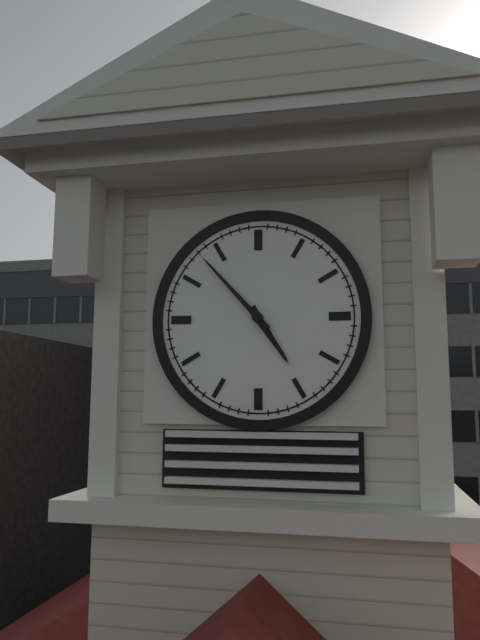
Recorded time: 4:53
